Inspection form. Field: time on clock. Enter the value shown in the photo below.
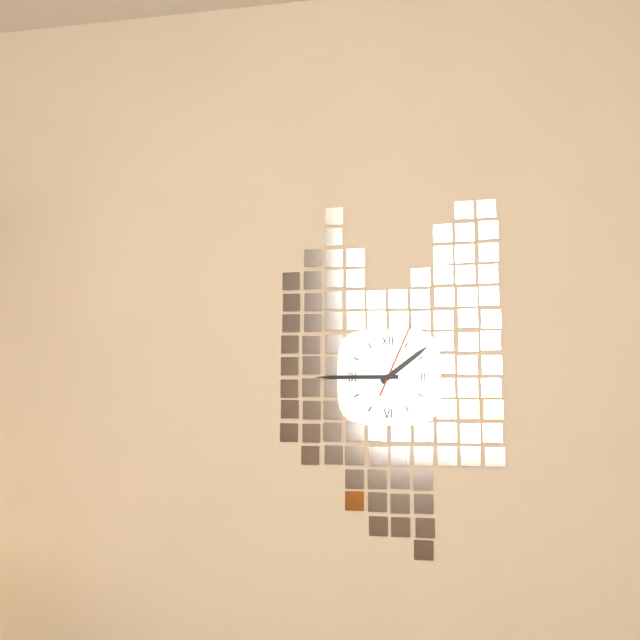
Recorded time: 1:45:04
